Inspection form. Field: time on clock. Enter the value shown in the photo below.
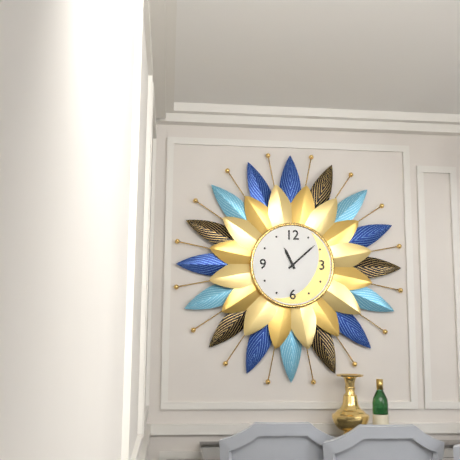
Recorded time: 11:08
